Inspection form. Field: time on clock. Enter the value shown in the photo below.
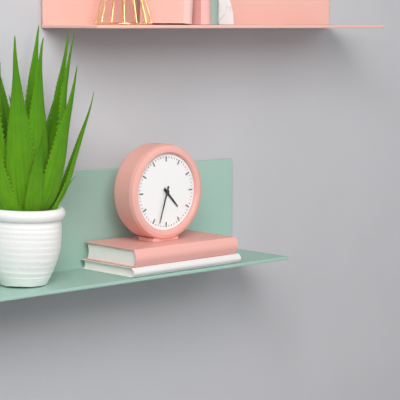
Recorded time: 4:33
